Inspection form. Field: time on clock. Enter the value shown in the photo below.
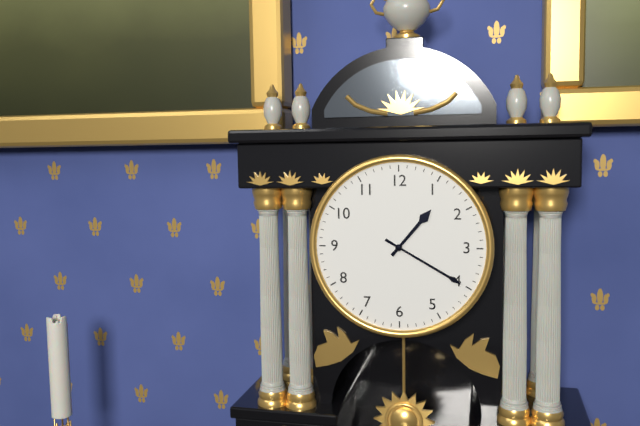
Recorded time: 1:20
